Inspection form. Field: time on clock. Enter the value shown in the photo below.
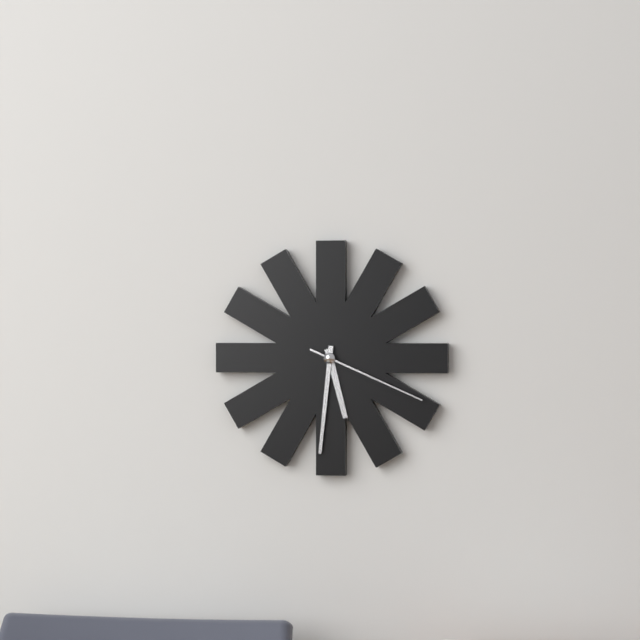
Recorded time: 5:31:19
